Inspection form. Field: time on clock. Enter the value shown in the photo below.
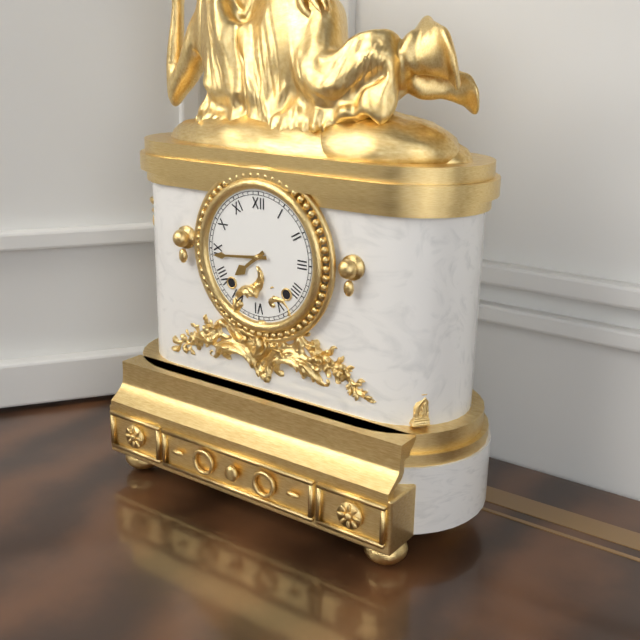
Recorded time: 7:44
